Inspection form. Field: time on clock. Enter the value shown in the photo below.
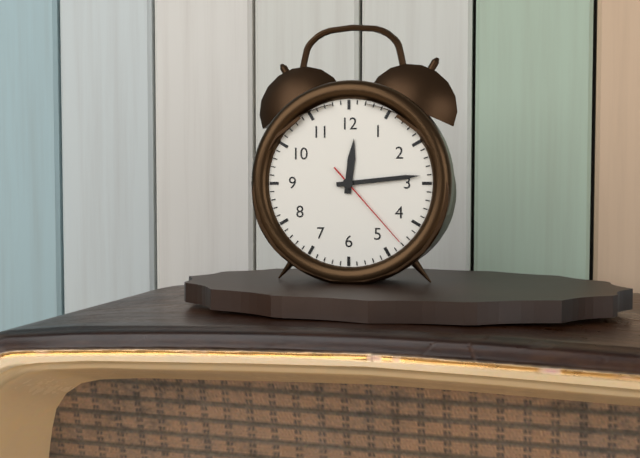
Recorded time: 12:14:23
